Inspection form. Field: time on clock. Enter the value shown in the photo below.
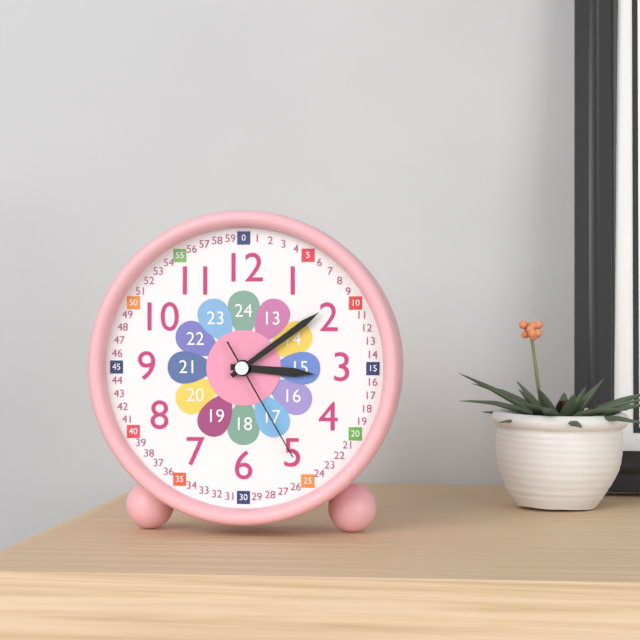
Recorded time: 3:09:25
